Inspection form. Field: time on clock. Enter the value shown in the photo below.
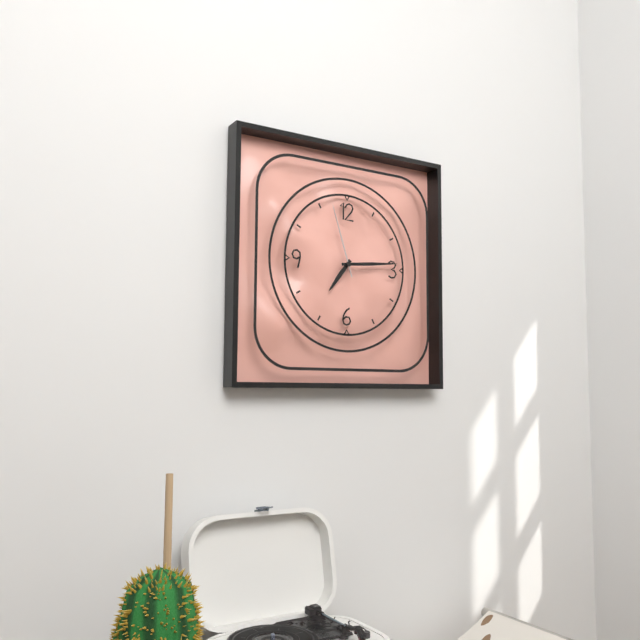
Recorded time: 7:14:57
